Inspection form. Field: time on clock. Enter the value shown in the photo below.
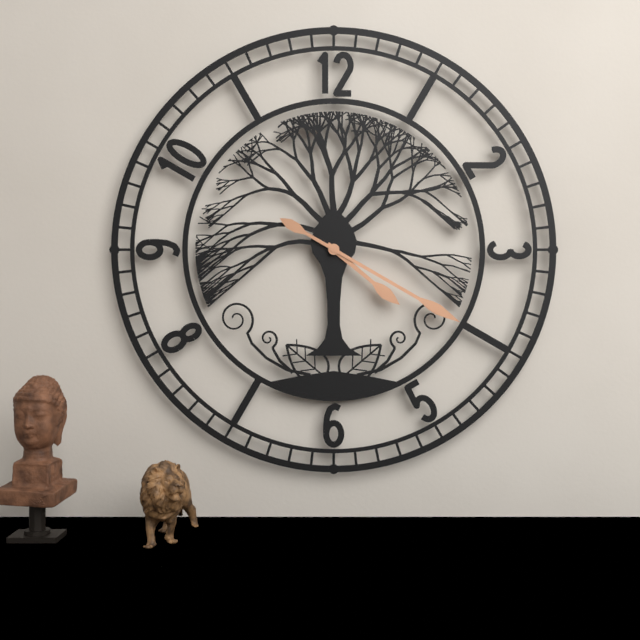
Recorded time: 4:20
